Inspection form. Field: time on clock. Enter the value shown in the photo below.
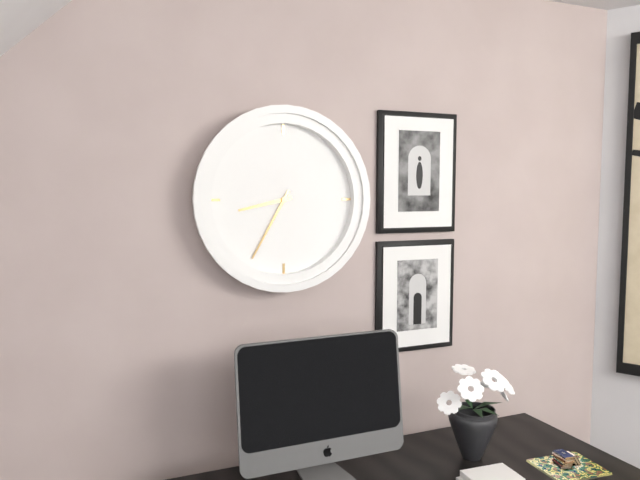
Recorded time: 8:35
